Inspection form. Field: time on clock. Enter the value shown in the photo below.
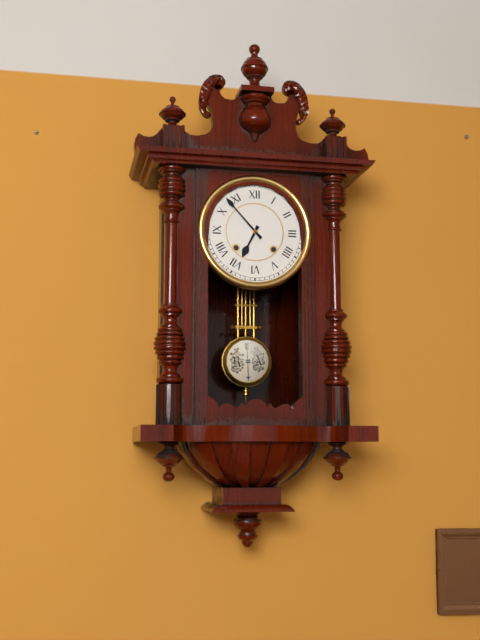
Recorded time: 6:53
